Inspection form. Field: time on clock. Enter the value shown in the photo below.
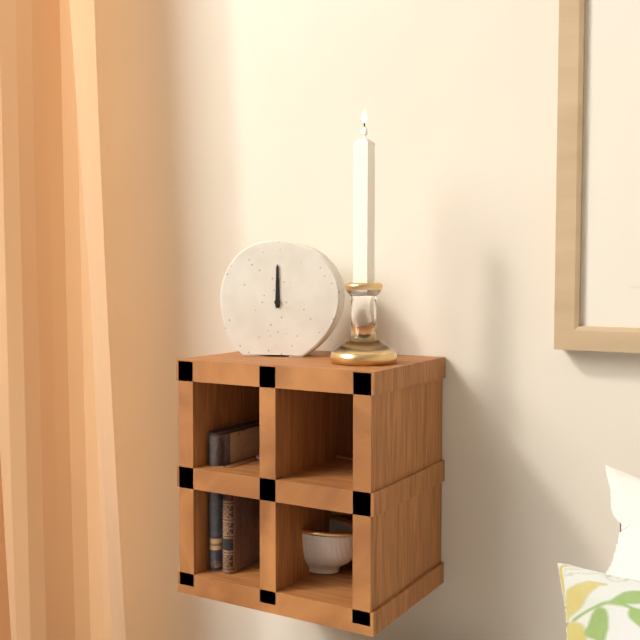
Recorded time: 12:00
